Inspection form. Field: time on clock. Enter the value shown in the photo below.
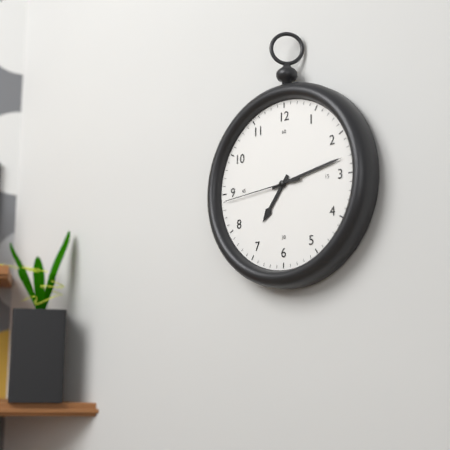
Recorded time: 7:13:44
